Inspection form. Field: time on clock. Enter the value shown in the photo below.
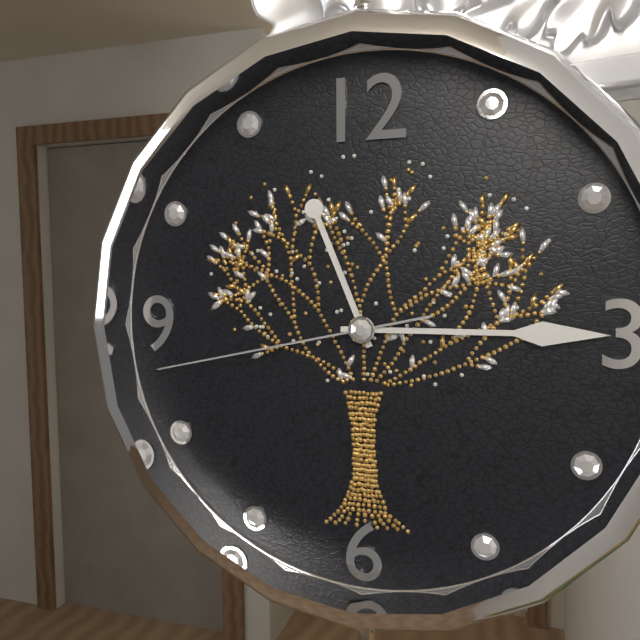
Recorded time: 11:15:43
